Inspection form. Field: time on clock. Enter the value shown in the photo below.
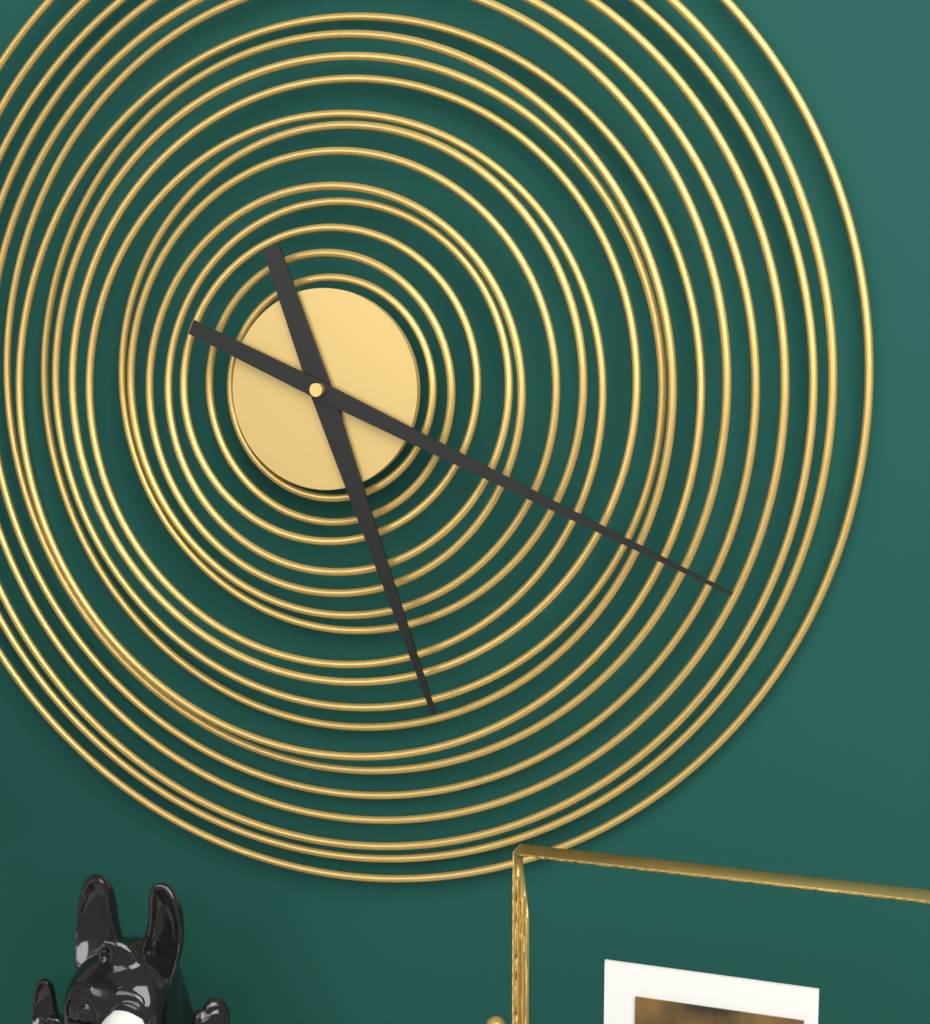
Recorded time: 5:19
